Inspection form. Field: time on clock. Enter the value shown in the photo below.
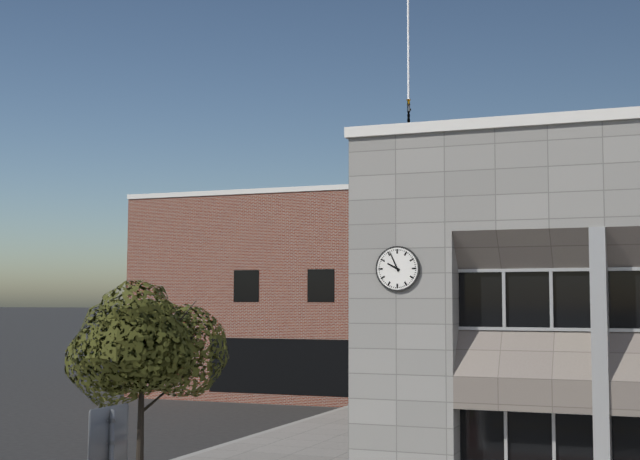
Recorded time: 9:56
